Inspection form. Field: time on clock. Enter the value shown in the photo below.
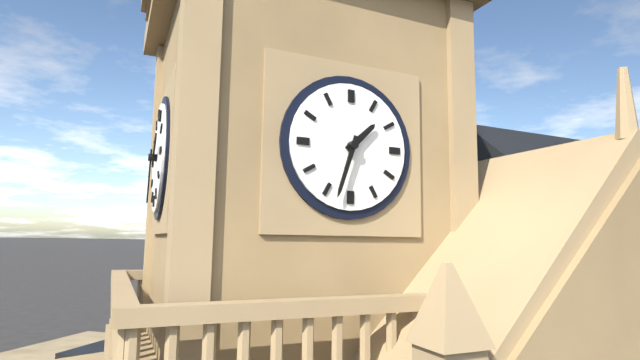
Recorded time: 1:33
